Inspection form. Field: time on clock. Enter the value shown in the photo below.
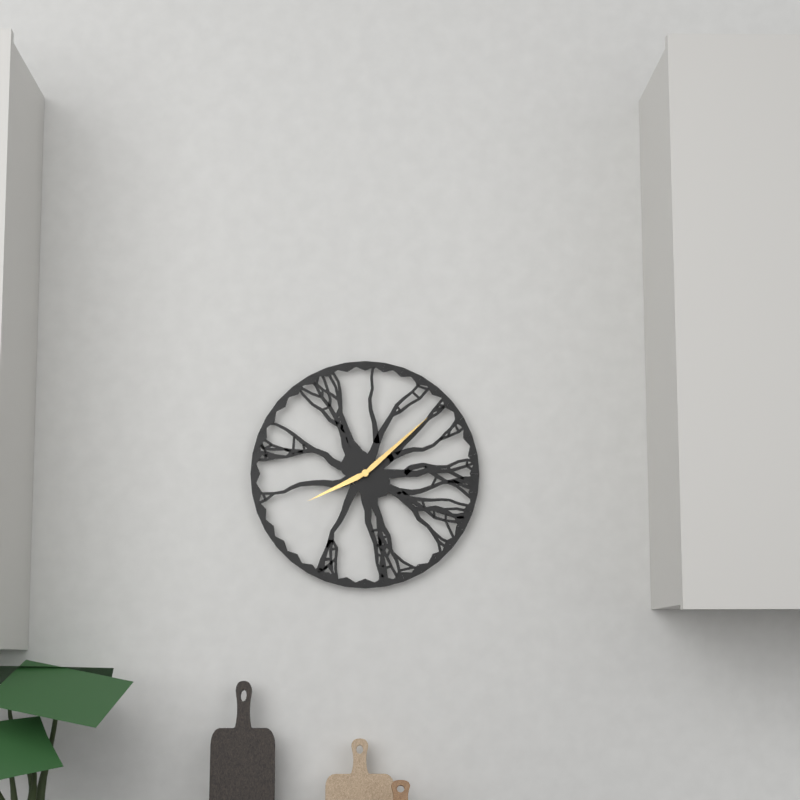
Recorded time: 8:08
